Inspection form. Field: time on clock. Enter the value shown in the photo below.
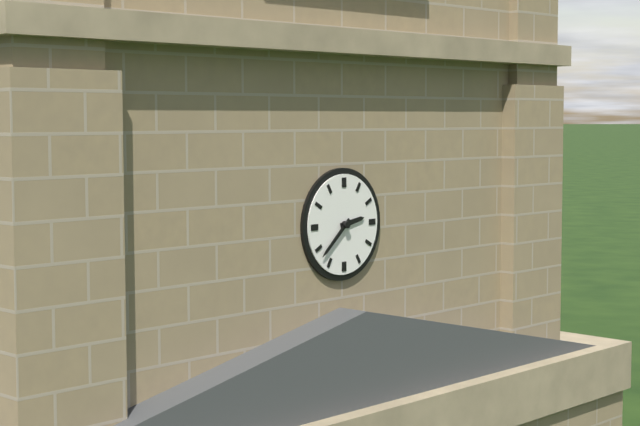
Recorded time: 2:38
